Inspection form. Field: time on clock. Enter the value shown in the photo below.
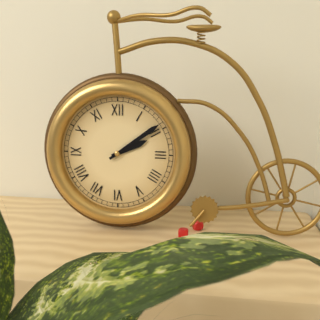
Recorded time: 2:09
